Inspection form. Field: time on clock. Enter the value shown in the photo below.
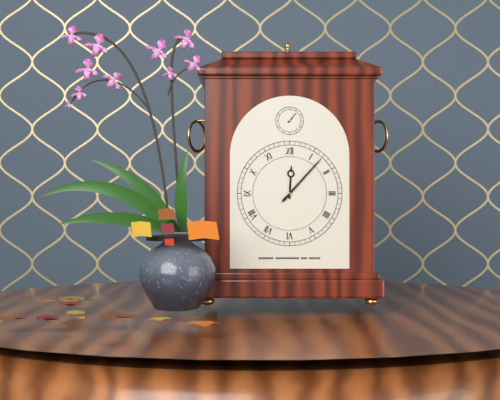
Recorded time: 12:07
